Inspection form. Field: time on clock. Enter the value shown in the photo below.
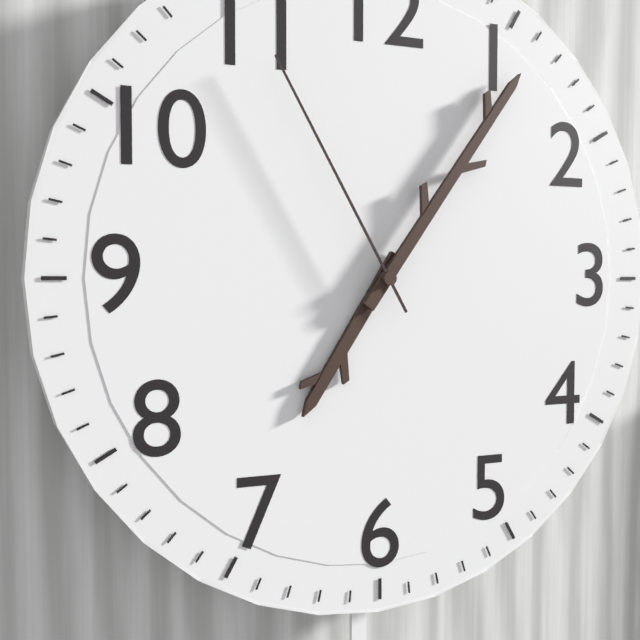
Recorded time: 7:06:55
